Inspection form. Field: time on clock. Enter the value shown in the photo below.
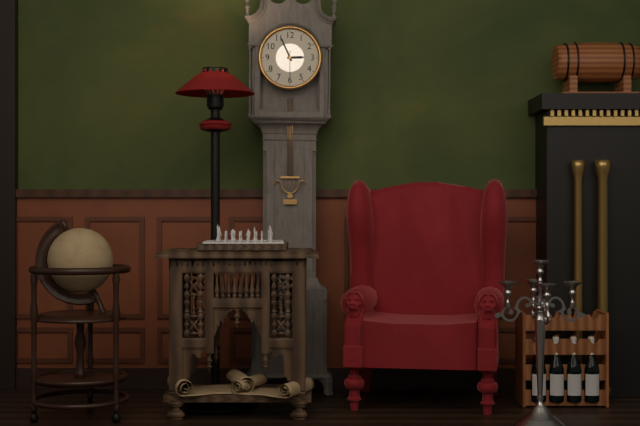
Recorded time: 2:56
